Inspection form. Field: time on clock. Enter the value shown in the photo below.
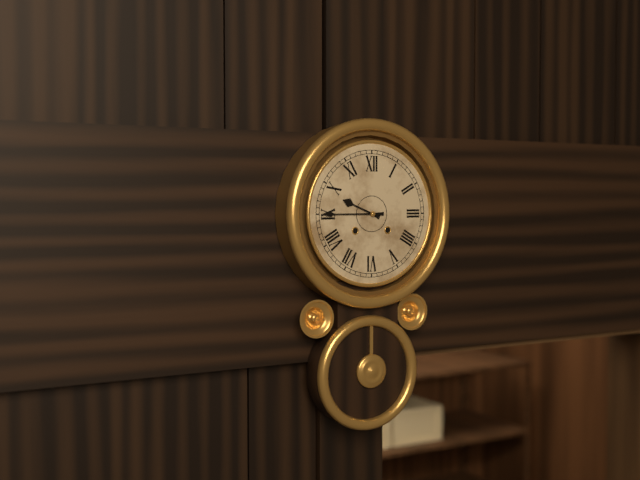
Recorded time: 9:45
